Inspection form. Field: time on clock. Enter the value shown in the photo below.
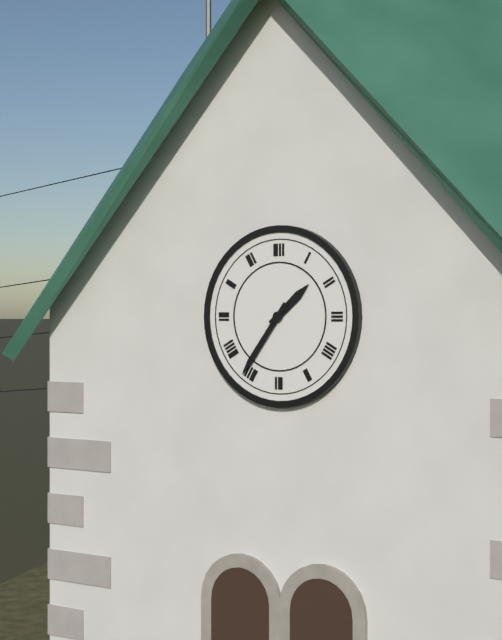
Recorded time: 1:36
